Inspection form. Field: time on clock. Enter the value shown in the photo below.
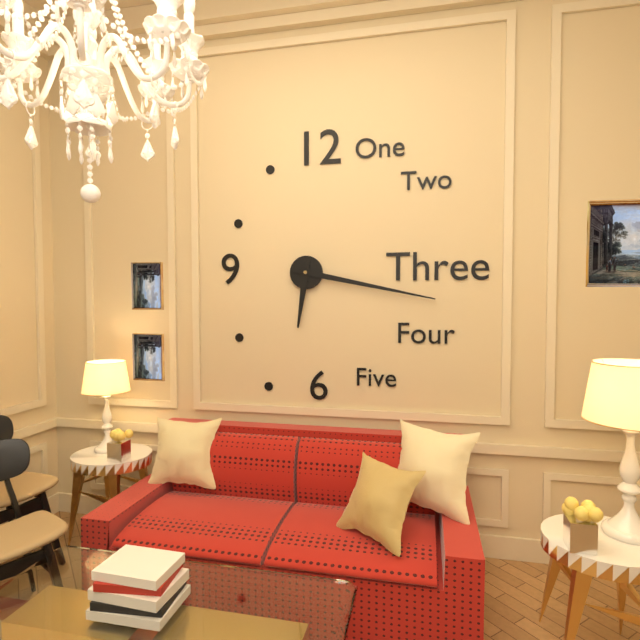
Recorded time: 6:17
